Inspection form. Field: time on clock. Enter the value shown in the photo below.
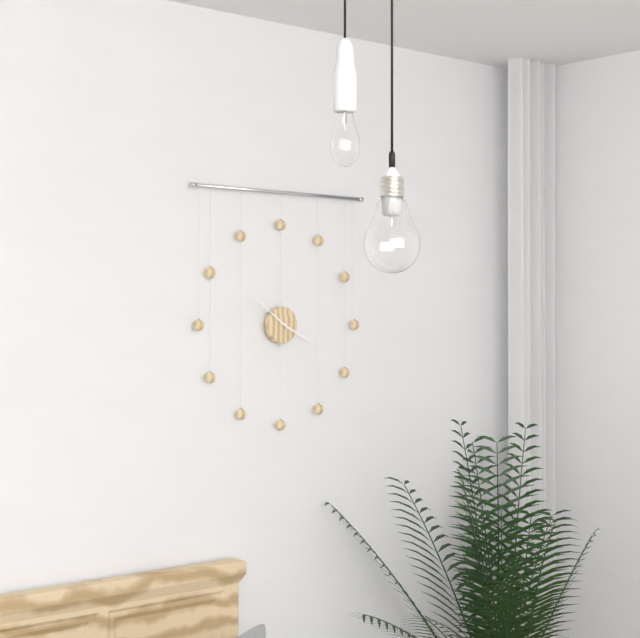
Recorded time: 3:51
